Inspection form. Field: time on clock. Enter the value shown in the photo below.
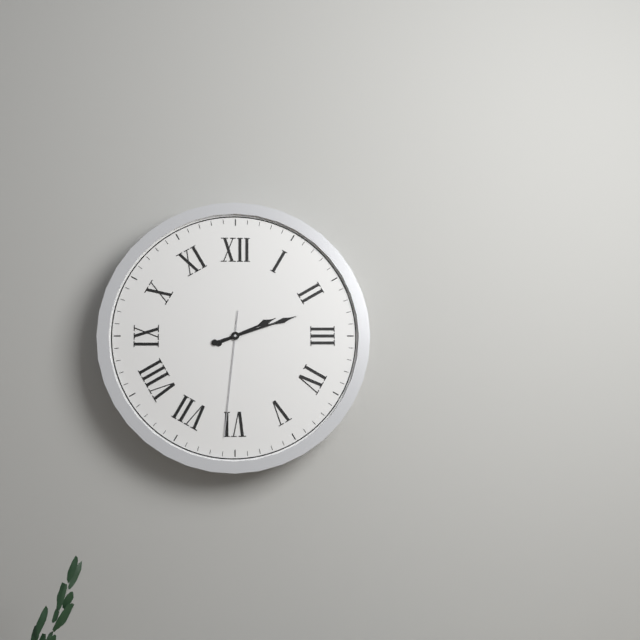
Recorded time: 2:12:31
